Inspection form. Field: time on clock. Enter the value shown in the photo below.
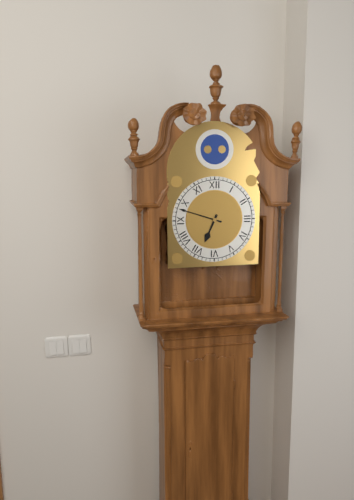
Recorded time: 6:48
